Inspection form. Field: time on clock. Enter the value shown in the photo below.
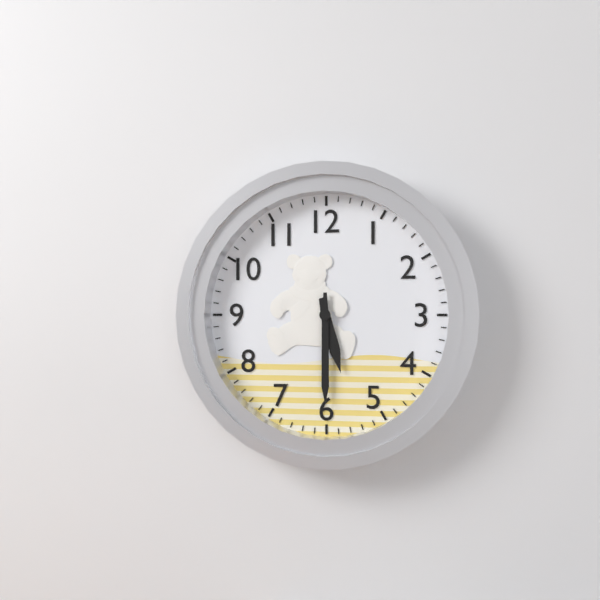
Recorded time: 5:30
